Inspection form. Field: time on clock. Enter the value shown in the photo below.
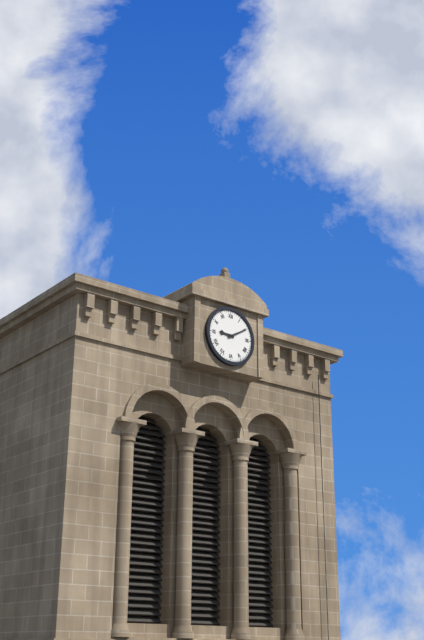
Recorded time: 9:10
